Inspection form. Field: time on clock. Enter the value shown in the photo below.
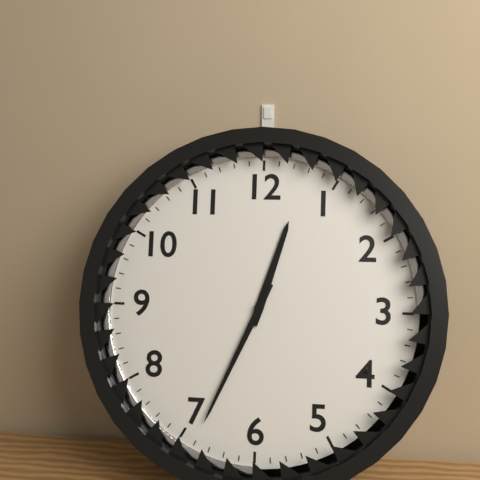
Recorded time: 12:34
